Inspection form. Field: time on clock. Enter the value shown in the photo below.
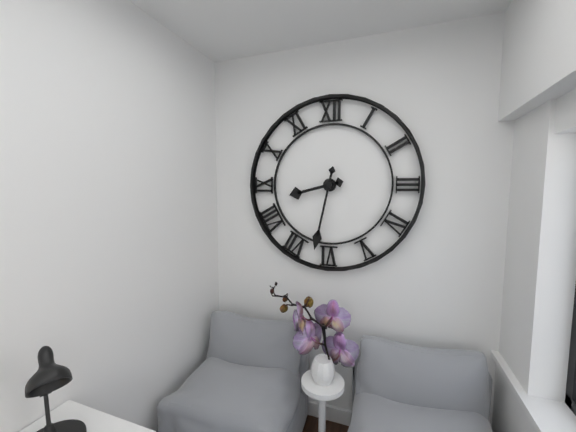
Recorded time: 8:32
